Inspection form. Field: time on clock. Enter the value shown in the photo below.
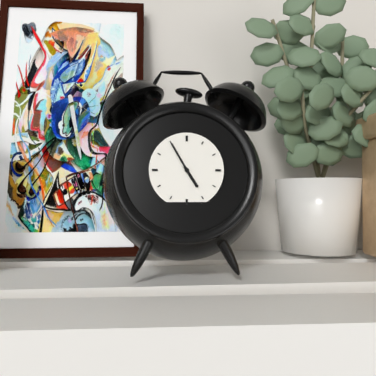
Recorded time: 4:55
